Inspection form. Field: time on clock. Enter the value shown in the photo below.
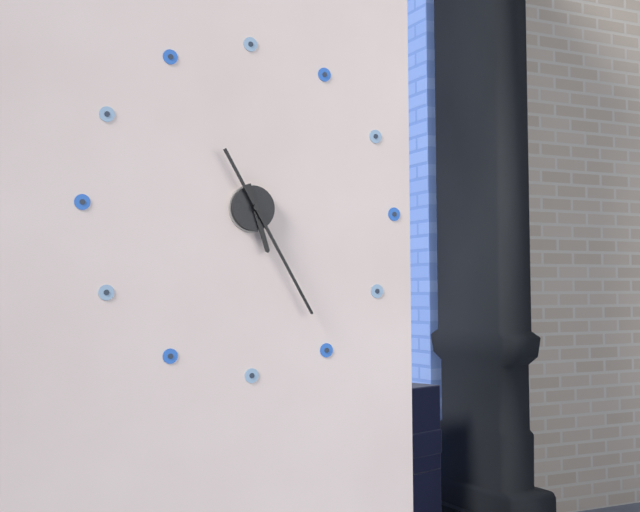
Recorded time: 5:25
